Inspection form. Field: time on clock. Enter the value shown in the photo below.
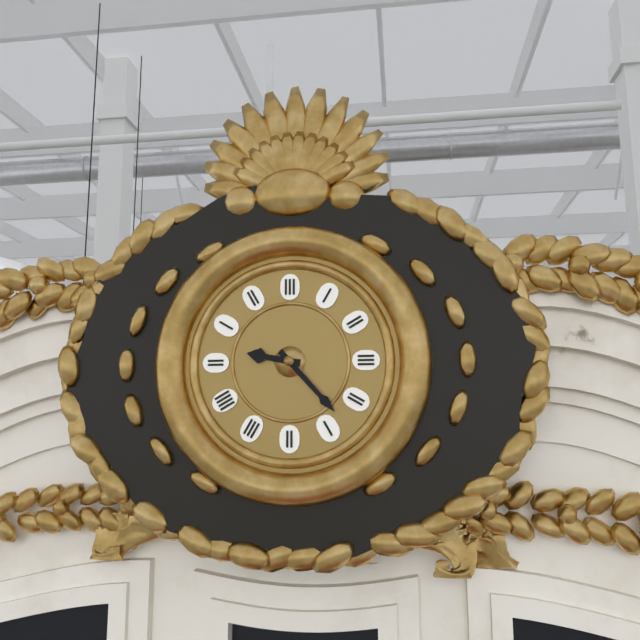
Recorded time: 9:23
